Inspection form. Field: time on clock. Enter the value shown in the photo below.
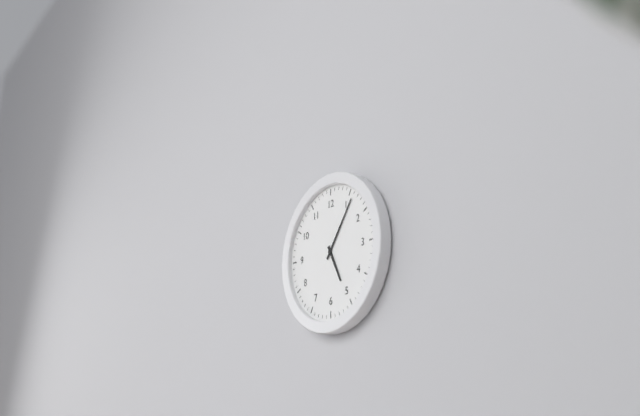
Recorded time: 5:06
